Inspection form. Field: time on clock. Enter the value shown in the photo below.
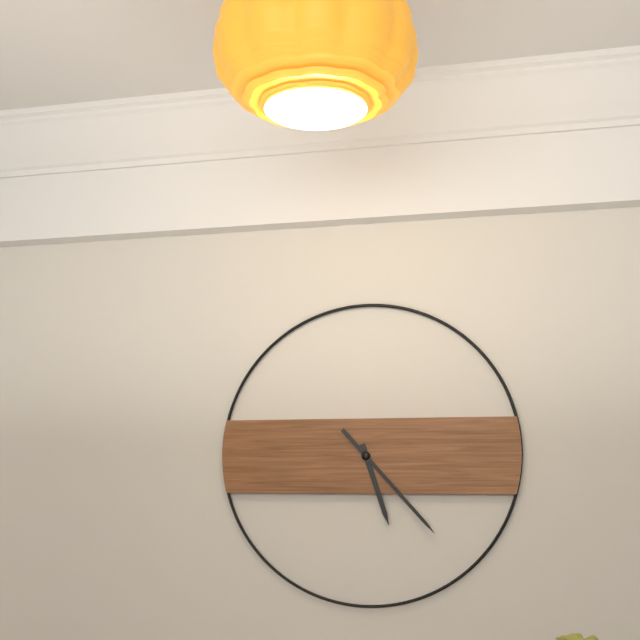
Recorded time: 5:23
